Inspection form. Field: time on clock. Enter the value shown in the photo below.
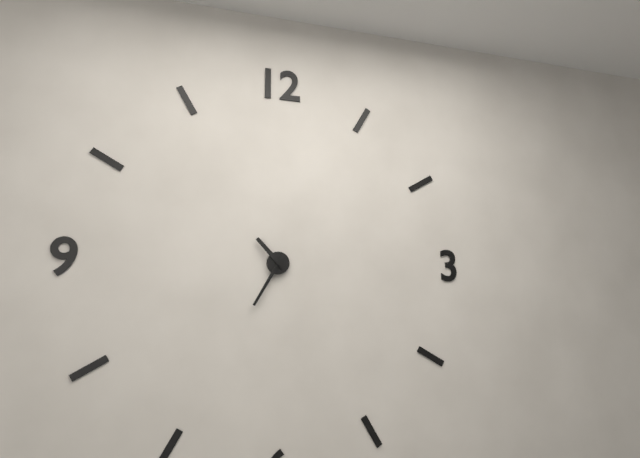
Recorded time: 10:35
